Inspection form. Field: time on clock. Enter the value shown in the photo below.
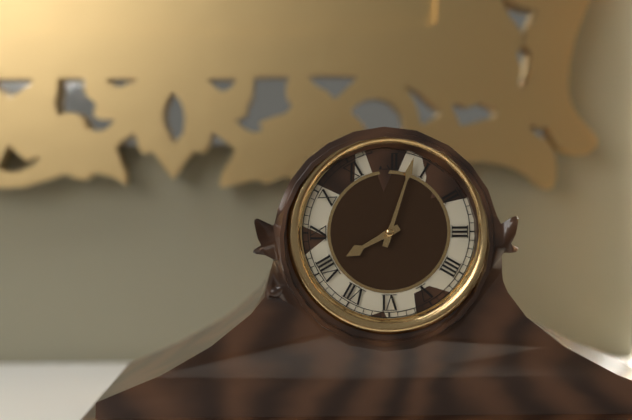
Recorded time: 8:03
